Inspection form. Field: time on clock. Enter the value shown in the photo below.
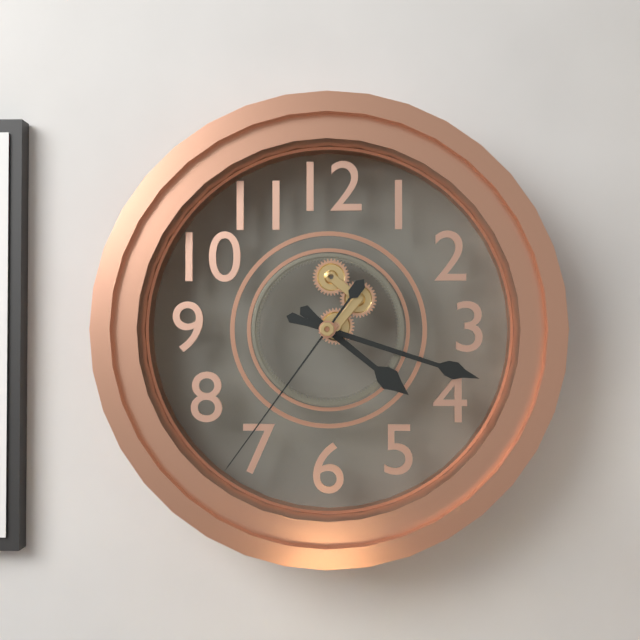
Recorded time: 4:18:36
